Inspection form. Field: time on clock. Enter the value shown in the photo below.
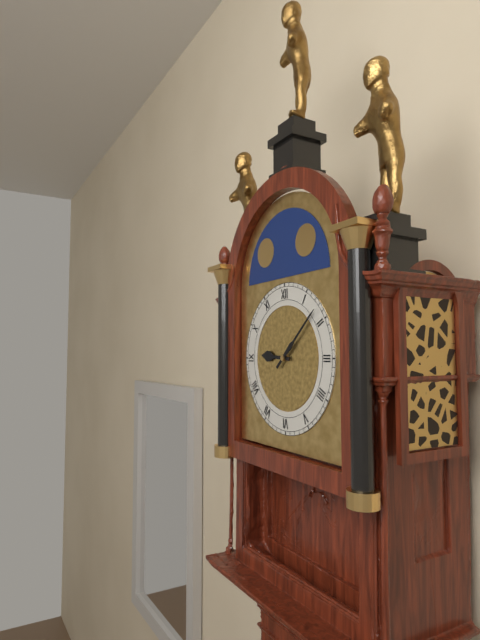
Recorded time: 9:08
